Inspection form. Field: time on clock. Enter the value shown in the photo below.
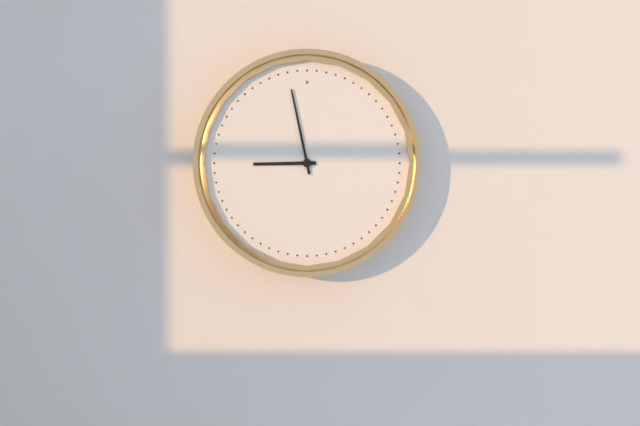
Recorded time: 8:58
